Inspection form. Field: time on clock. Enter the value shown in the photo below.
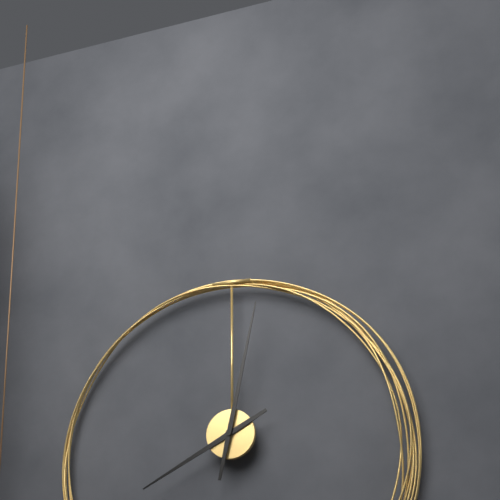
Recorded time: 8:02
